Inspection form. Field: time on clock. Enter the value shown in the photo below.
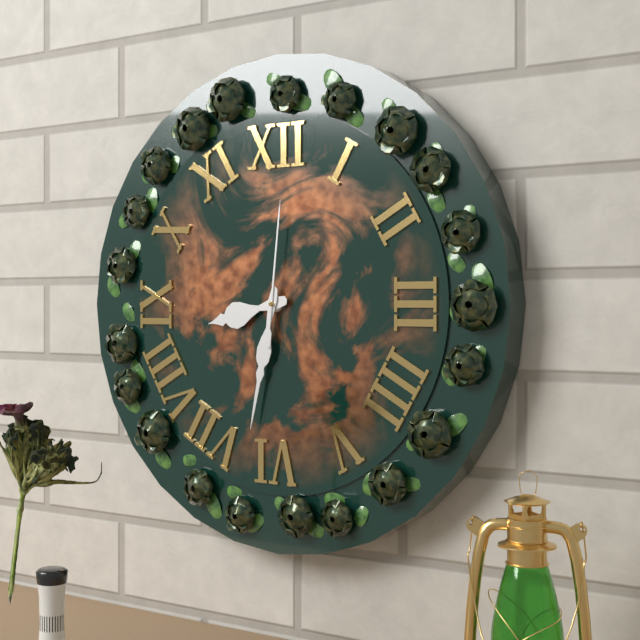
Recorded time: 8:32:01
